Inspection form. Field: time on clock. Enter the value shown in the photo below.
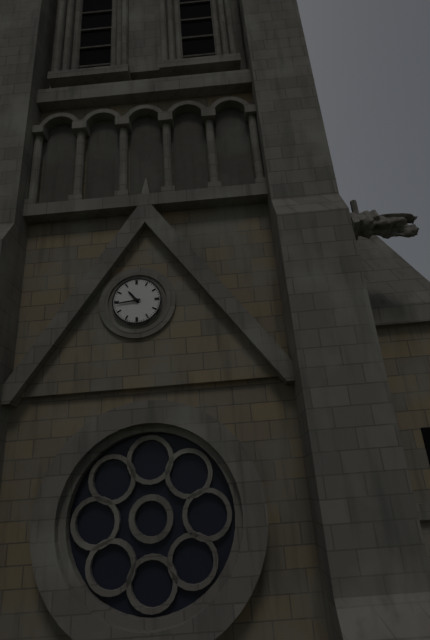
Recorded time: 10:44
